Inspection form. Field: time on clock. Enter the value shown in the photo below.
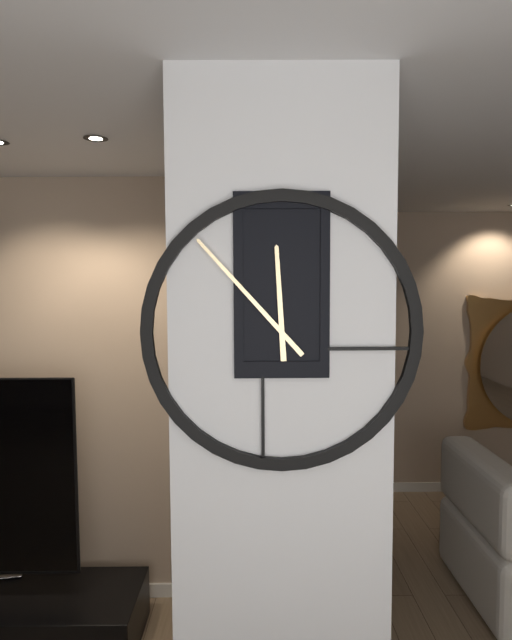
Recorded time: 11:53
